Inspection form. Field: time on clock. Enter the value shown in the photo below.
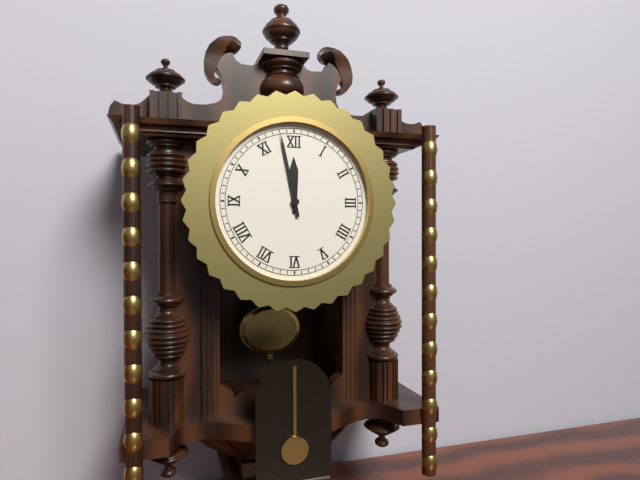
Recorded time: 11:58
